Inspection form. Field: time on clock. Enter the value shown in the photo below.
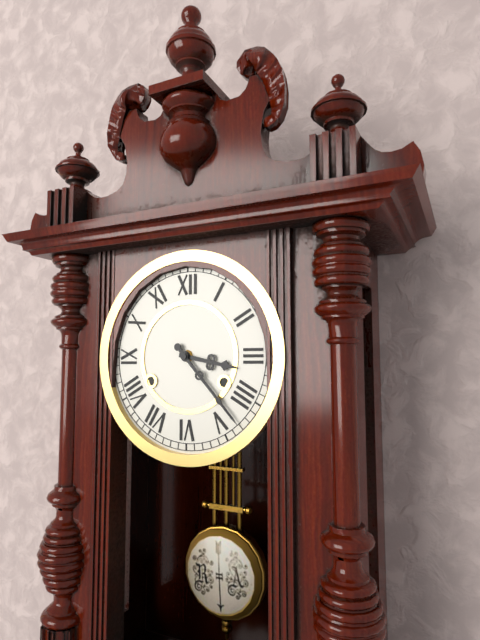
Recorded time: 3:23
